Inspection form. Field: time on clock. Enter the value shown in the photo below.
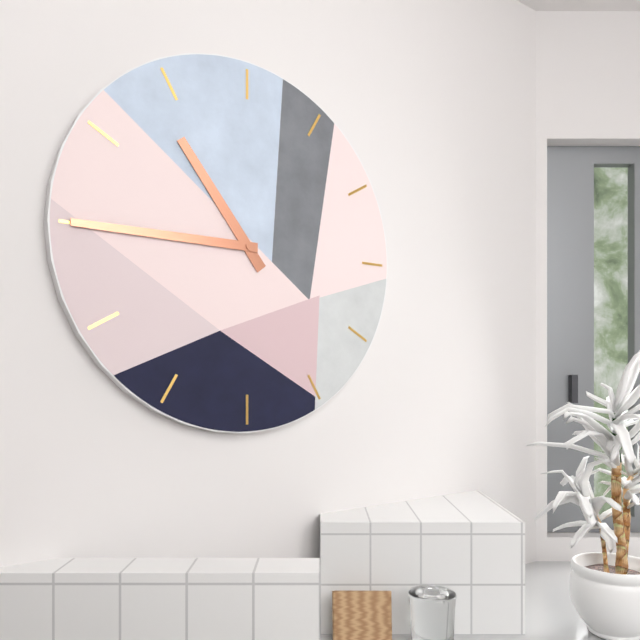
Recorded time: 10:45
